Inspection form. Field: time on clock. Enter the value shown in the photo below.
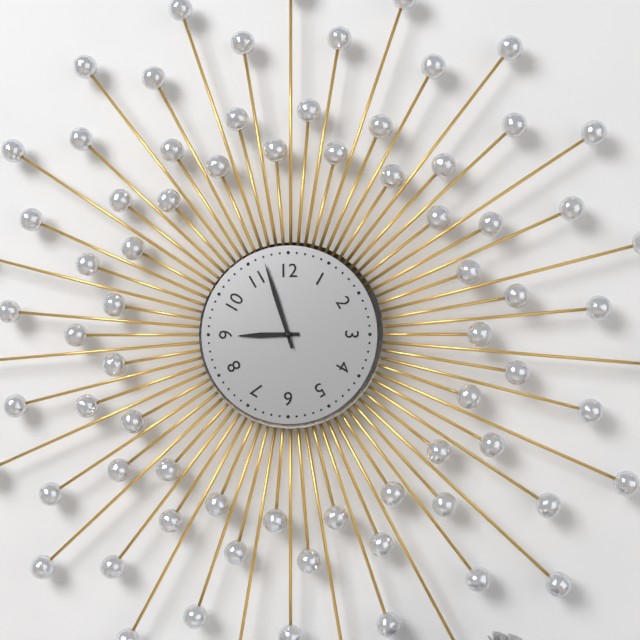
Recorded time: 8:57
